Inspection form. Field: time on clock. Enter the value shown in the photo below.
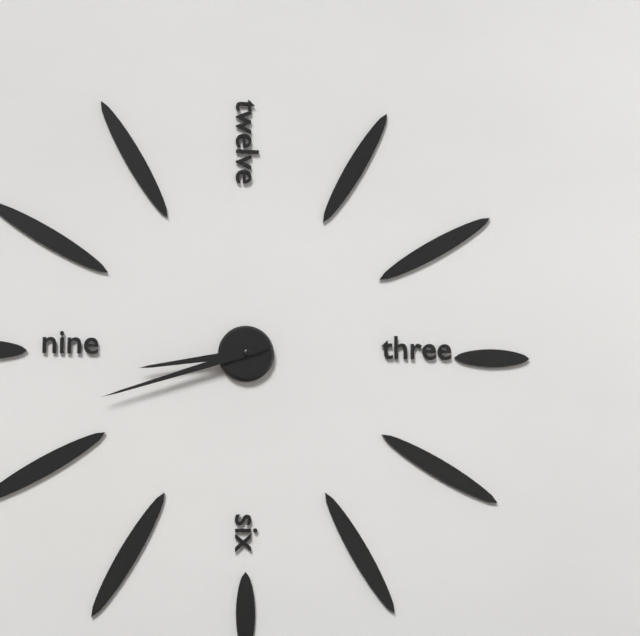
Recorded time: 8:42
